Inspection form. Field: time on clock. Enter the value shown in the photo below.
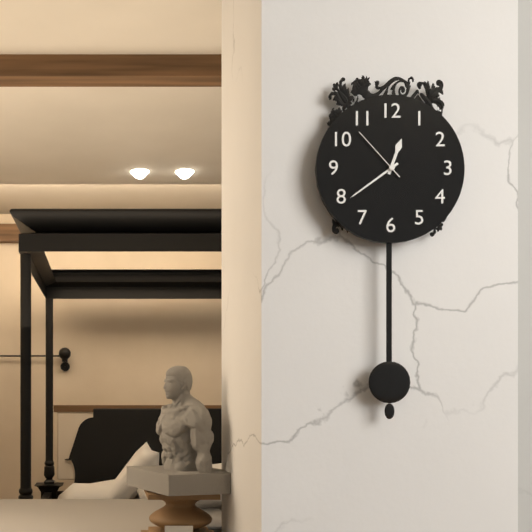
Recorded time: 12:39:53
